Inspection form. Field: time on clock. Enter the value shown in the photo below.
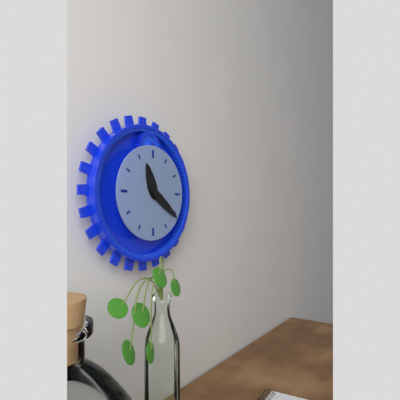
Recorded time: 11:21
